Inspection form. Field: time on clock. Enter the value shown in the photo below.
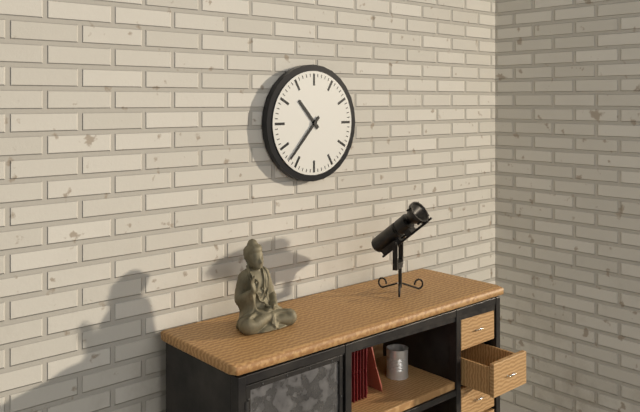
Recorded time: 10:37
